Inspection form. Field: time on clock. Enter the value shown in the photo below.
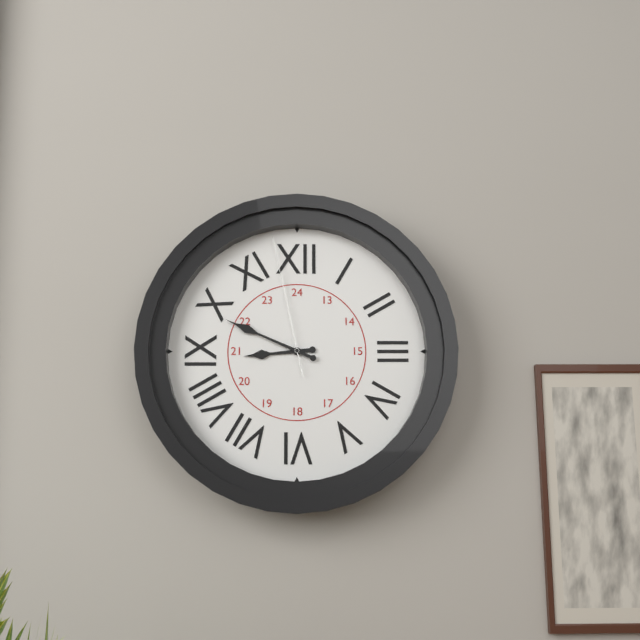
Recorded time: 8:49:58
